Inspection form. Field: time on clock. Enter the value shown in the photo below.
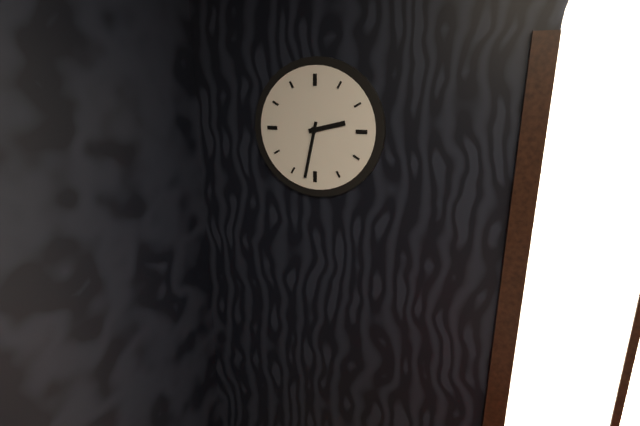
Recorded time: 2:32
